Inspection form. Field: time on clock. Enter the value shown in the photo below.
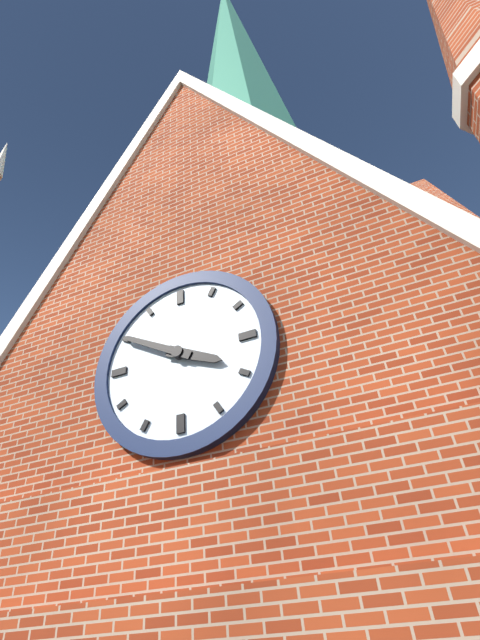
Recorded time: 3:50
